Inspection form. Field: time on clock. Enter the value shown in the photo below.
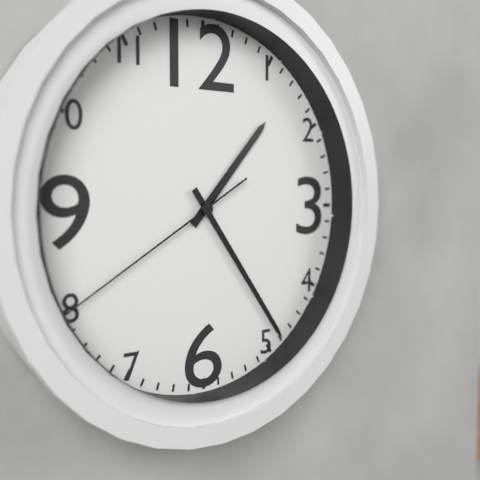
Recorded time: 1:24:40
